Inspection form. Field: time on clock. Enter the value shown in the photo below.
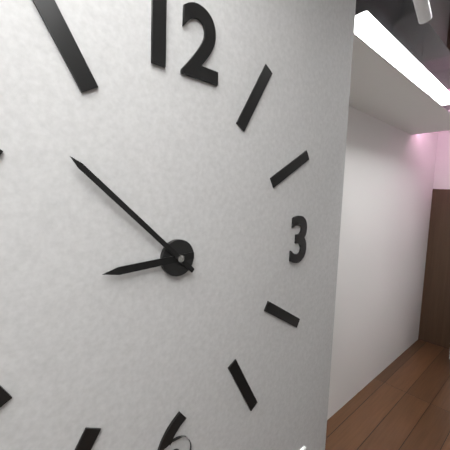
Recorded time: 8:52
